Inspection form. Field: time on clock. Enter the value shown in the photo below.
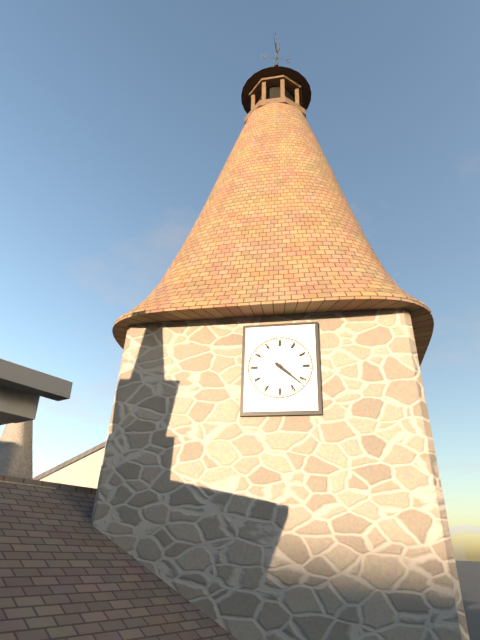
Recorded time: 4:22
